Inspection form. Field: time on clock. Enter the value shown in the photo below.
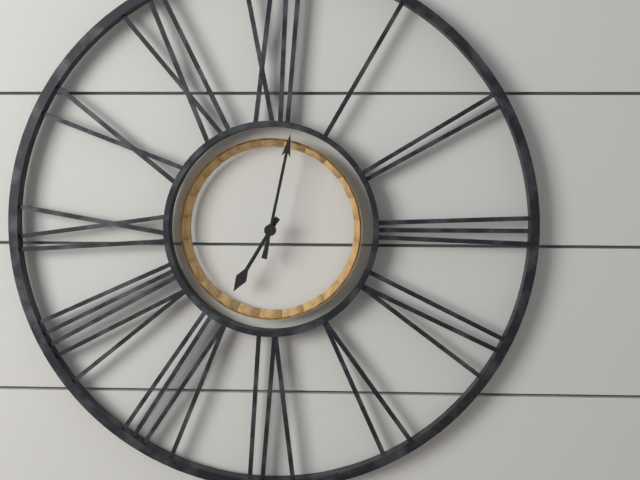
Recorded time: 7:02
